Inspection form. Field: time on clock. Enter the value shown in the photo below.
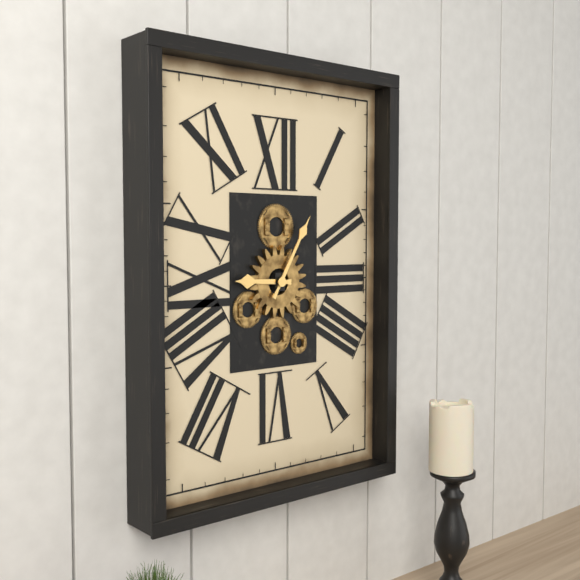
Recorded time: 9:05
